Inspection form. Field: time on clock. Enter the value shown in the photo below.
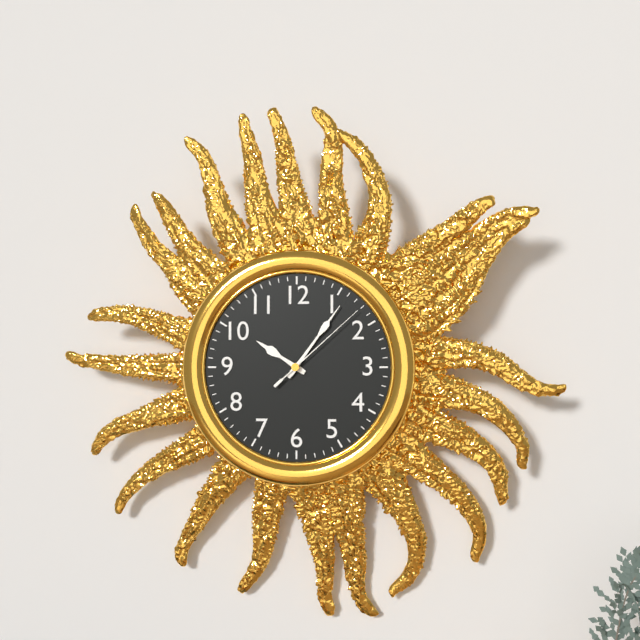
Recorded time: 10:06:08
